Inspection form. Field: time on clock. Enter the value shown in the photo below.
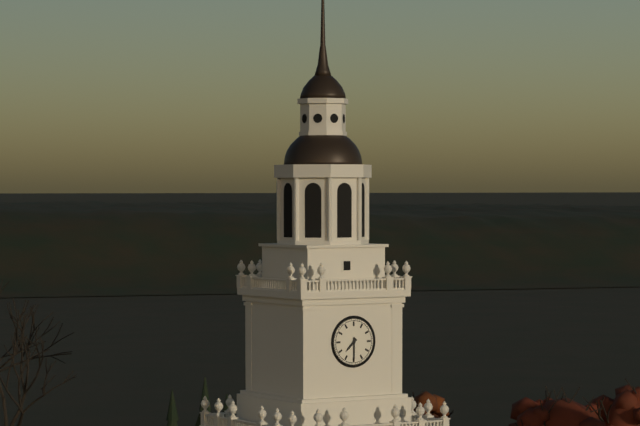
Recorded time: 7:30
